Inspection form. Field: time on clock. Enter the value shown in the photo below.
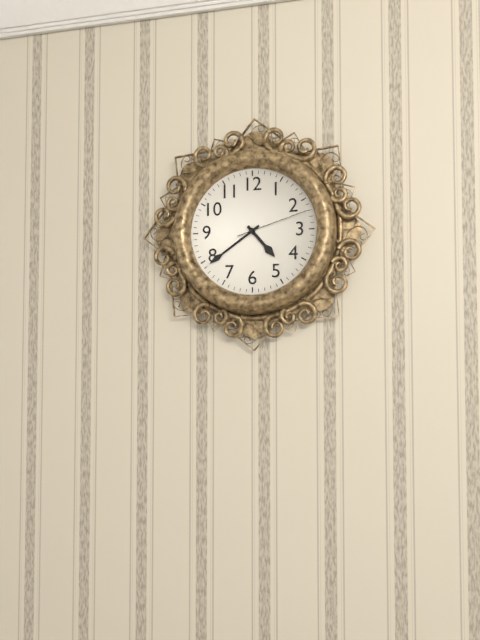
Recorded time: 4:39:12
